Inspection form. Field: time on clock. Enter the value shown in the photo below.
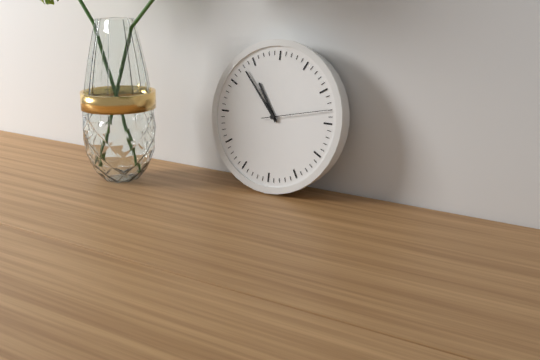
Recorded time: 10:53:13
